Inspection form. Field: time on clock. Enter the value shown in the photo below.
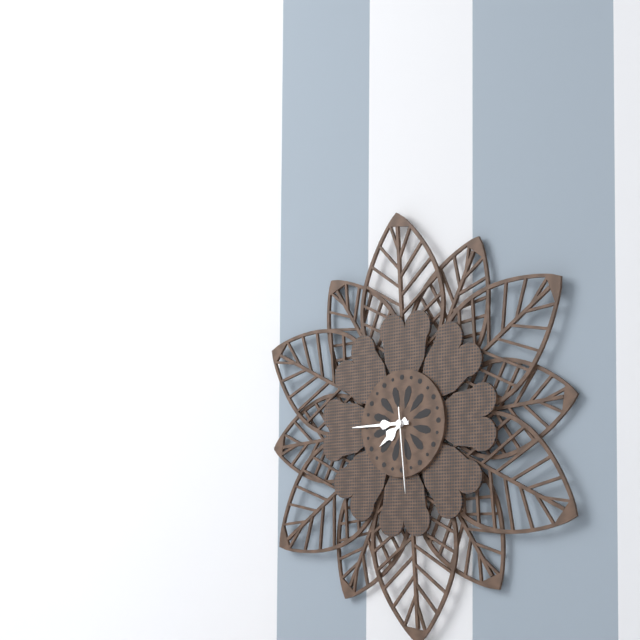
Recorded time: 7:45:29
